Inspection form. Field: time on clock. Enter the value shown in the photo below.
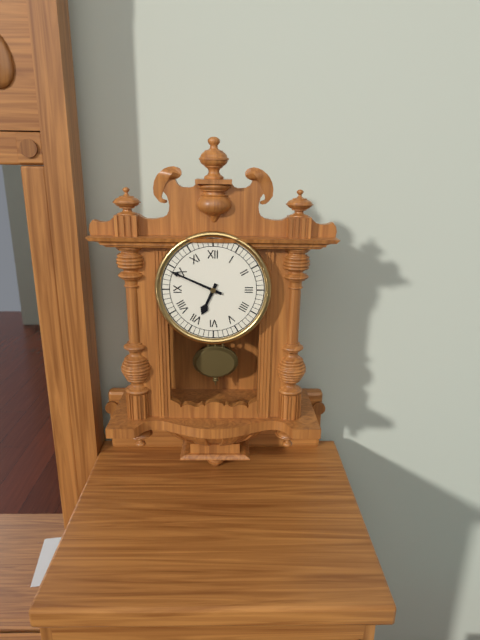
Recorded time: 6:49
